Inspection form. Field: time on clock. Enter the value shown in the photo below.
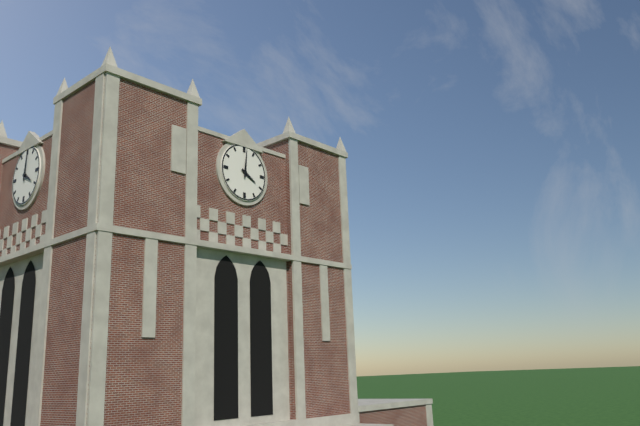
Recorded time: 4:01
